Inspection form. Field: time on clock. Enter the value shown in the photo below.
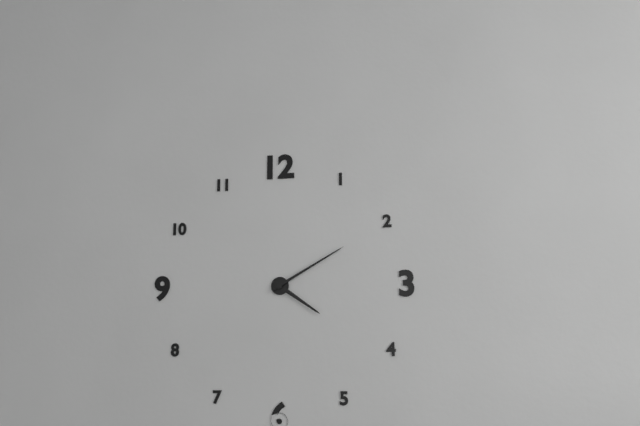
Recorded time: 4:10
